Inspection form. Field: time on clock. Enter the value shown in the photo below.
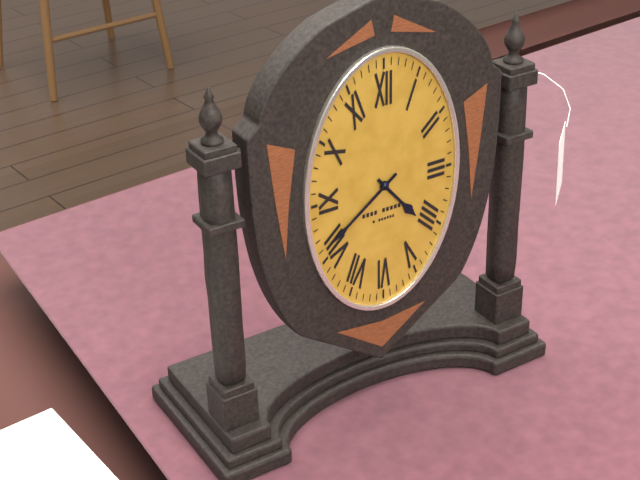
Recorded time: 4:39
